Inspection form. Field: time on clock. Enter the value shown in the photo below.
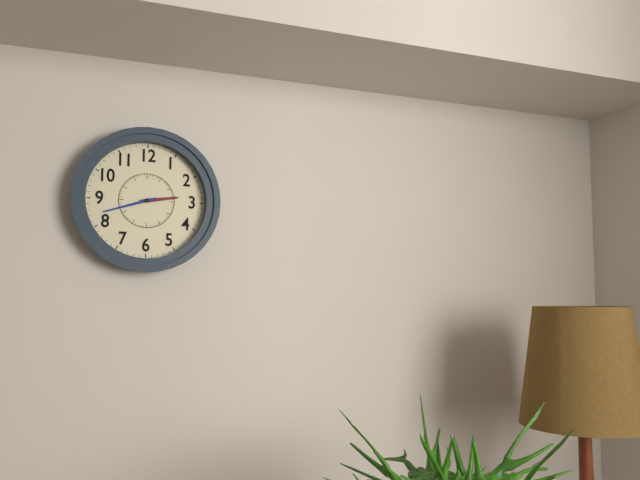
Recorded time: 2:42
